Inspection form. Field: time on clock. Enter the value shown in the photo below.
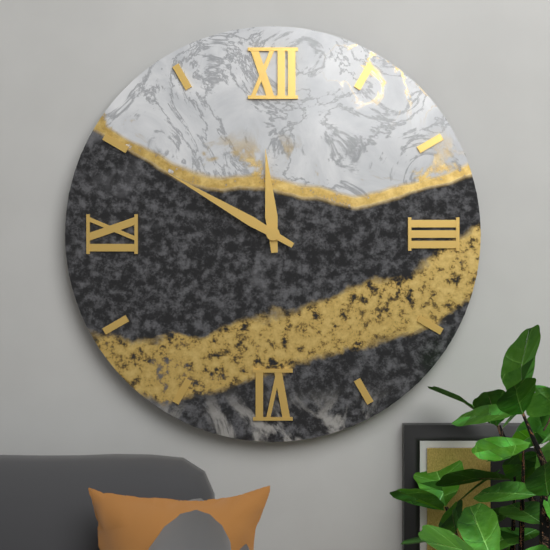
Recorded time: 11:50
